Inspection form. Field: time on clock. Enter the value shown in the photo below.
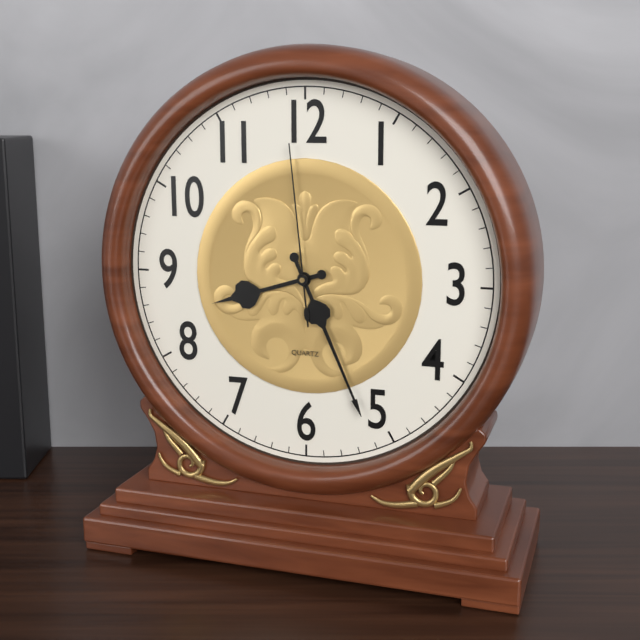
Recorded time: 8:26:59
